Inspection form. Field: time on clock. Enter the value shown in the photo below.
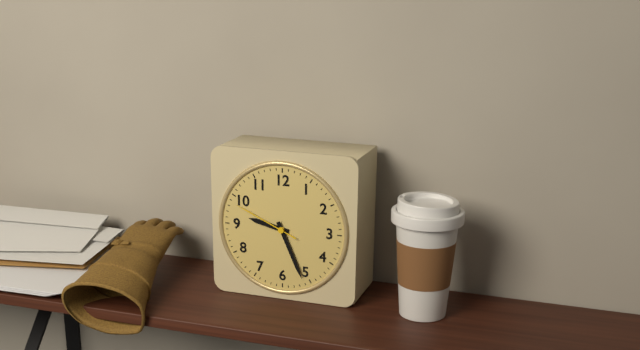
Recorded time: 9:26:49
